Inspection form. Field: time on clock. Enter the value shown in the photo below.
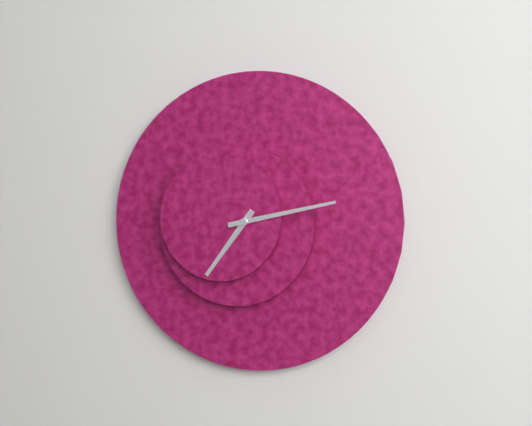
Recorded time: 7:13
